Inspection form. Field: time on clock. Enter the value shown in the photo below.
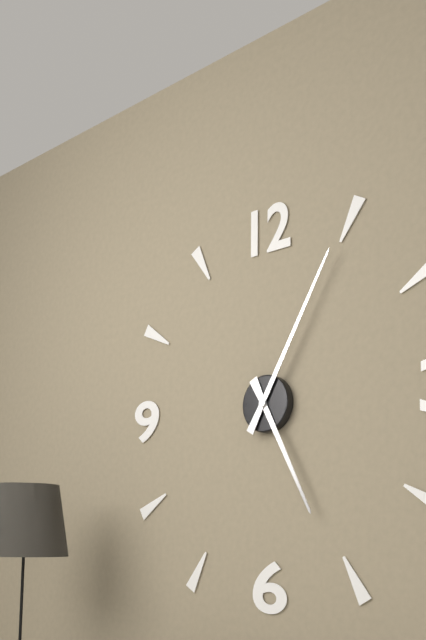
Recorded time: 5:05
